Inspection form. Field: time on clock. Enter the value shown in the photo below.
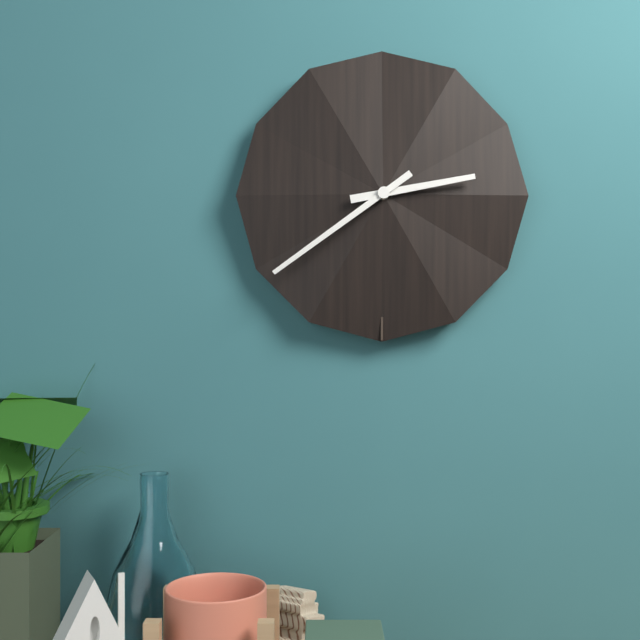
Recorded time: 2:39
